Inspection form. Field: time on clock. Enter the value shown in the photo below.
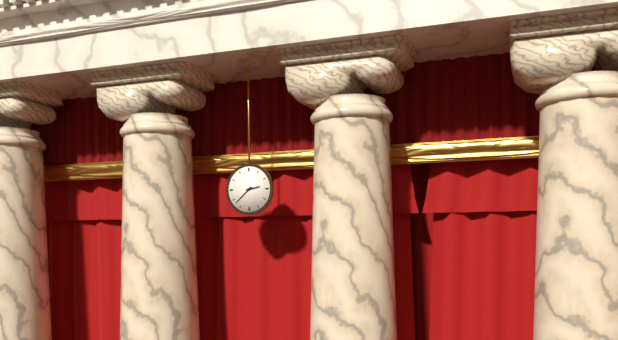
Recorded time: 2:38
